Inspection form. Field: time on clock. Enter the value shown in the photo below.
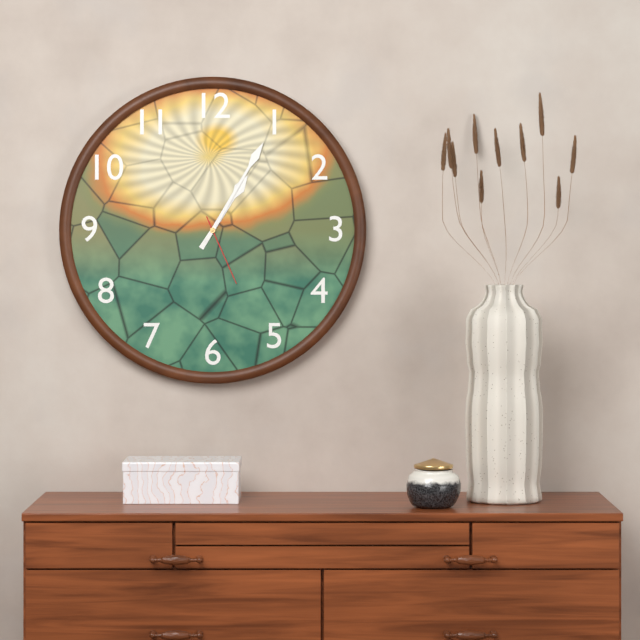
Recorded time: 1:05:26
